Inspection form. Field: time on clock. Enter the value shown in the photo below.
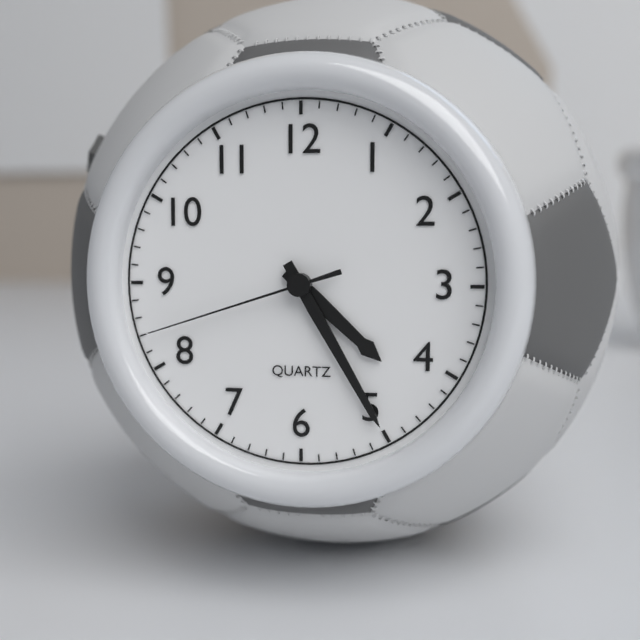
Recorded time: 4:25:42
